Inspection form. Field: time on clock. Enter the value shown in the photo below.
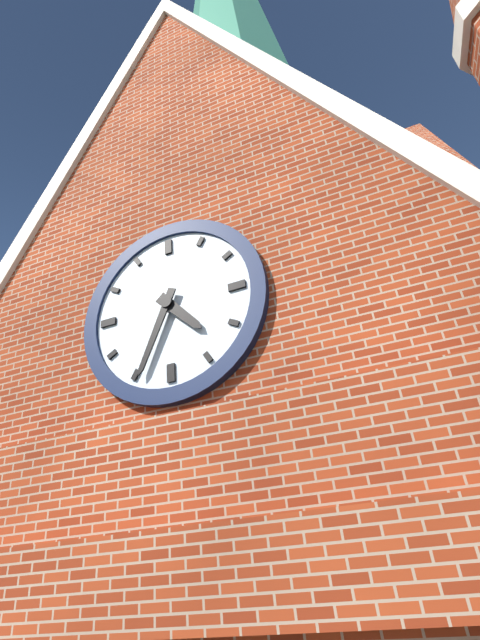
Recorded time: 4:34
